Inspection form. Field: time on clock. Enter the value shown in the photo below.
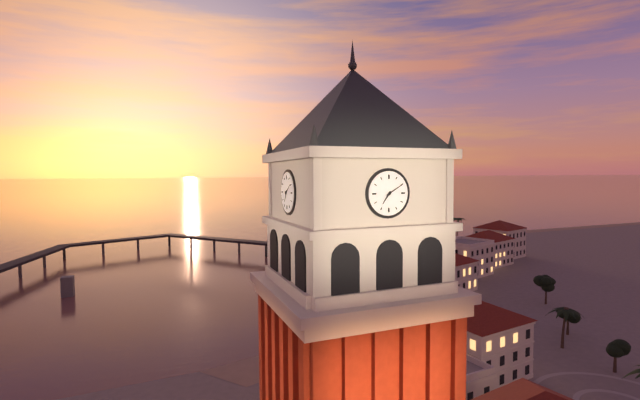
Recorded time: 7:10
